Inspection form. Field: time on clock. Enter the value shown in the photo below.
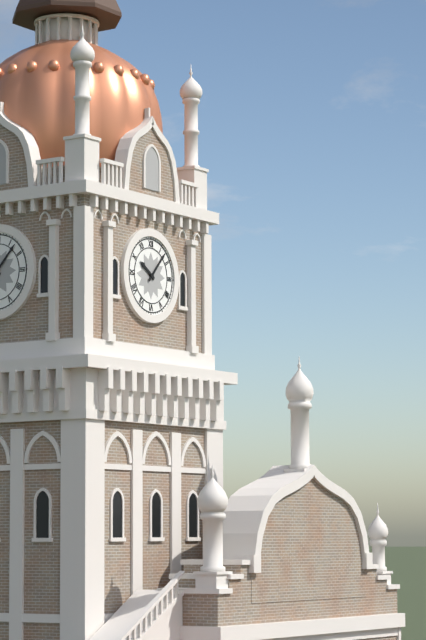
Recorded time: 10:07
